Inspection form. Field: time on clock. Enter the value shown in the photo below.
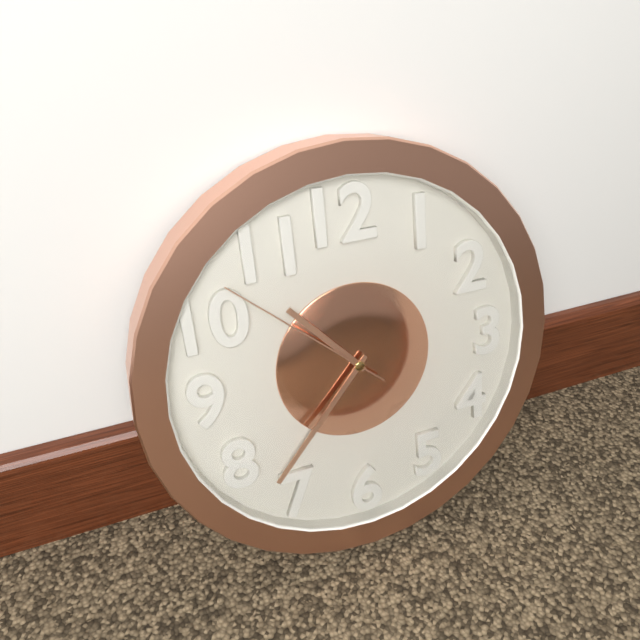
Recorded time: 10:37:52
